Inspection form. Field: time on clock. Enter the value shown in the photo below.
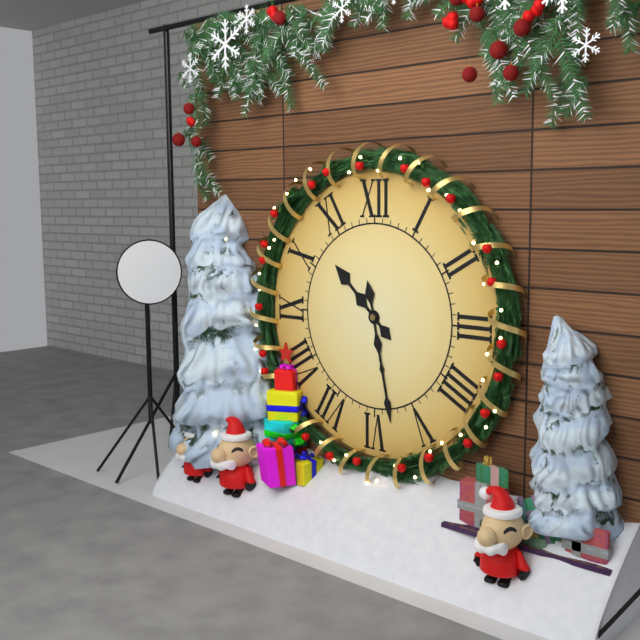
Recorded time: 10:28
